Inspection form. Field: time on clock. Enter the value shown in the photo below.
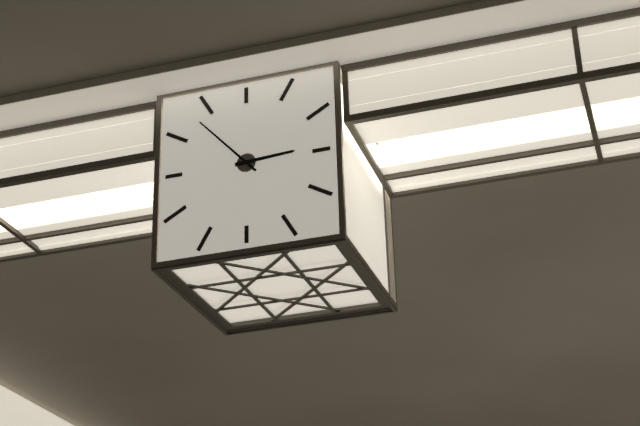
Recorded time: 2:53
